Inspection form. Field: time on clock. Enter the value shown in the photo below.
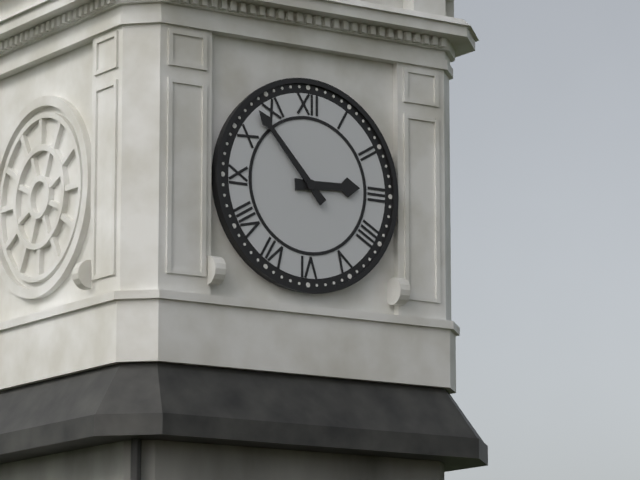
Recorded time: 2:53
